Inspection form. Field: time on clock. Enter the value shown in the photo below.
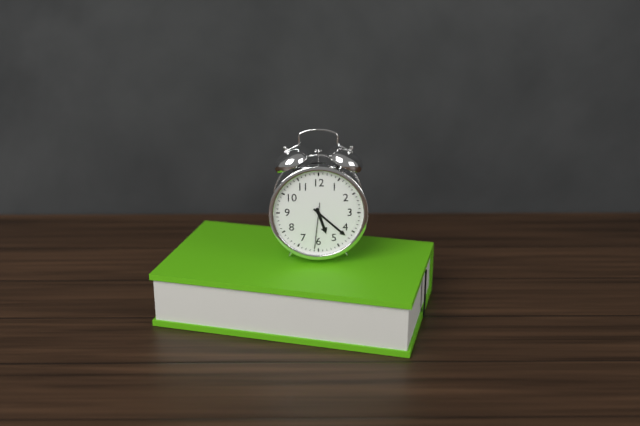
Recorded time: 5:22
